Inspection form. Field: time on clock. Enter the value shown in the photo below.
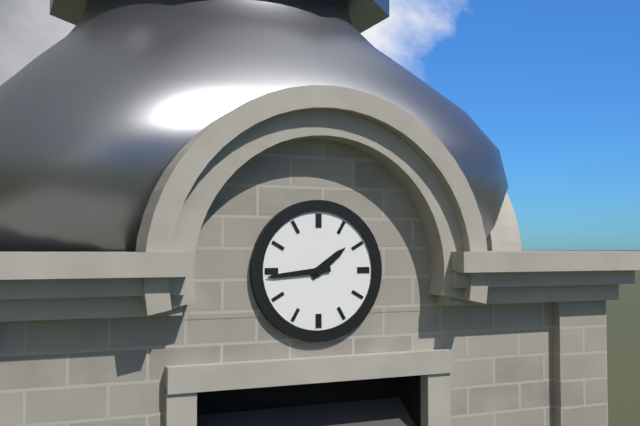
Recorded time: 1:44
